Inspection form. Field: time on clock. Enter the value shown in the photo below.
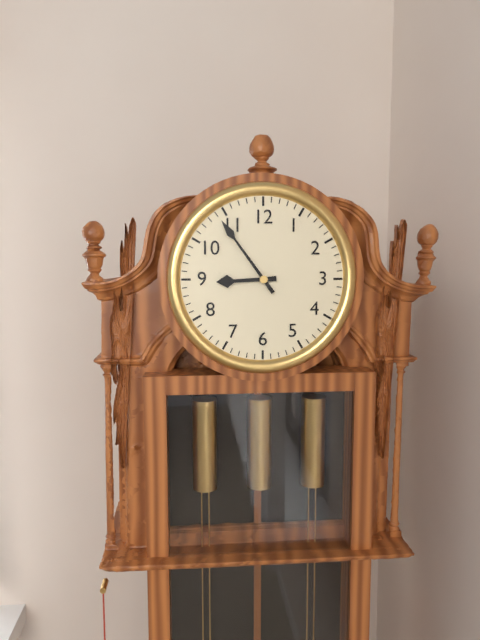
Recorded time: 8:54
